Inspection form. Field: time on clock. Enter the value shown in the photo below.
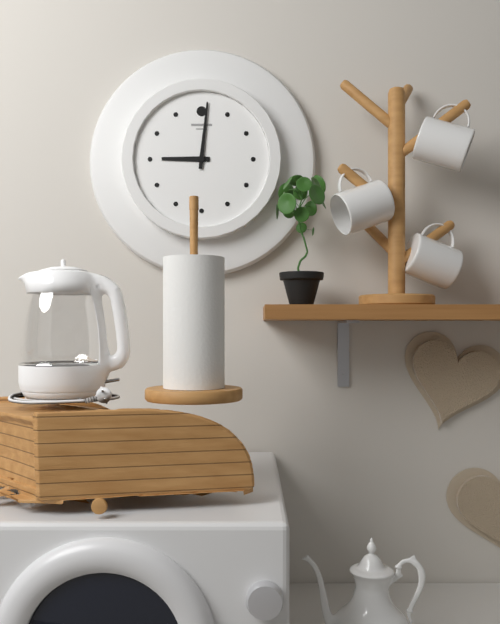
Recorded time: 9:01
